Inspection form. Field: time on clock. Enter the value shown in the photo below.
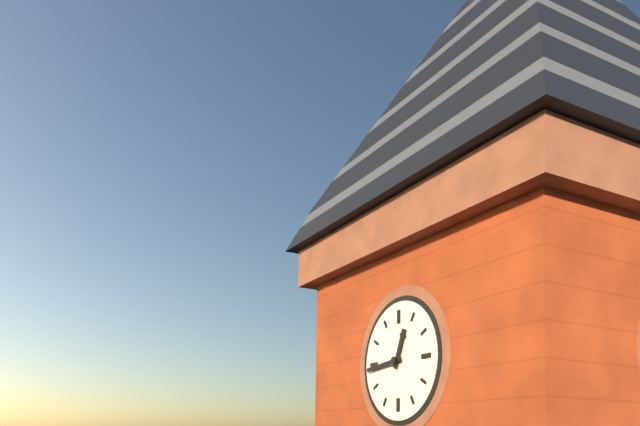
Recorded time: 12:44
